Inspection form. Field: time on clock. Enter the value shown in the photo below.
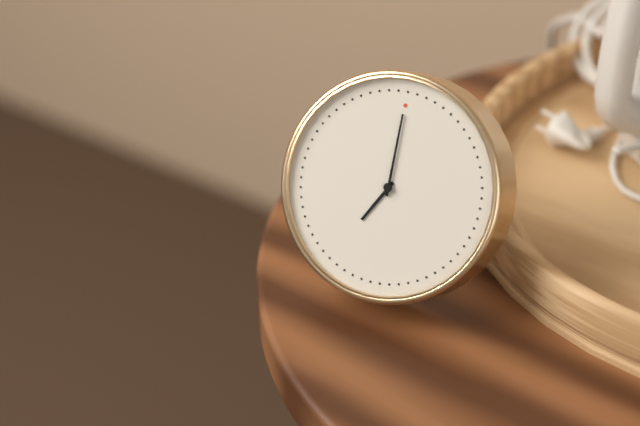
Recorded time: 7:00
